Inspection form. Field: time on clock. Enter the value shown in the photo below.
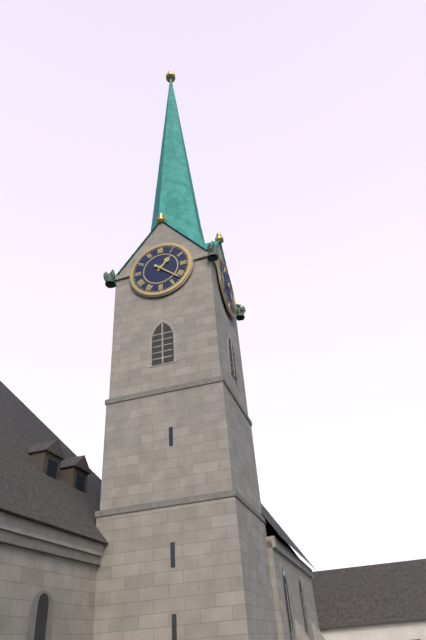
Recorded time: 1:22
